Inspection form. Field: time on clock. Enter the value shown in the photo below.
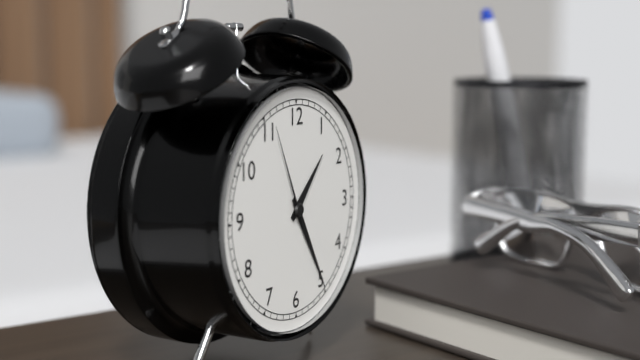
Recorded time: 1:25:56
